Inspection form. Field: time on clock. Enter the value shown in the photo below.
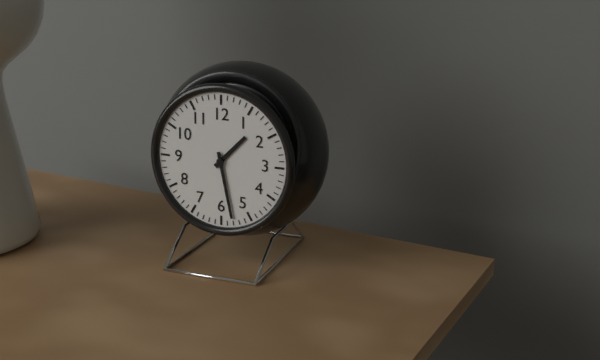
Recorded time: 1:28
